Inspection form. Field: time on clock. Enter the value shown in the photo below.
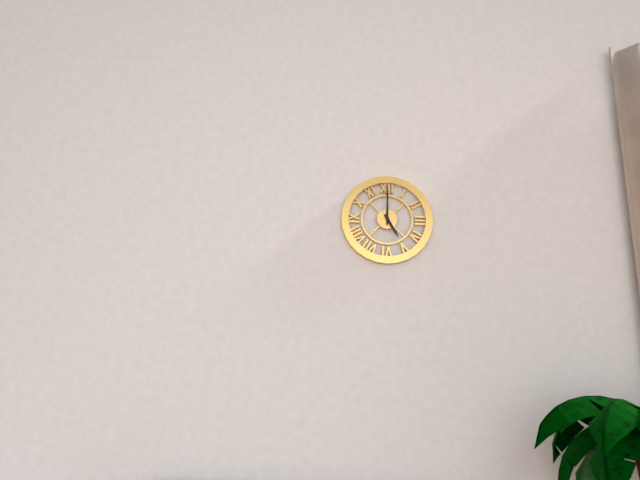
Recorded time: 5:00
